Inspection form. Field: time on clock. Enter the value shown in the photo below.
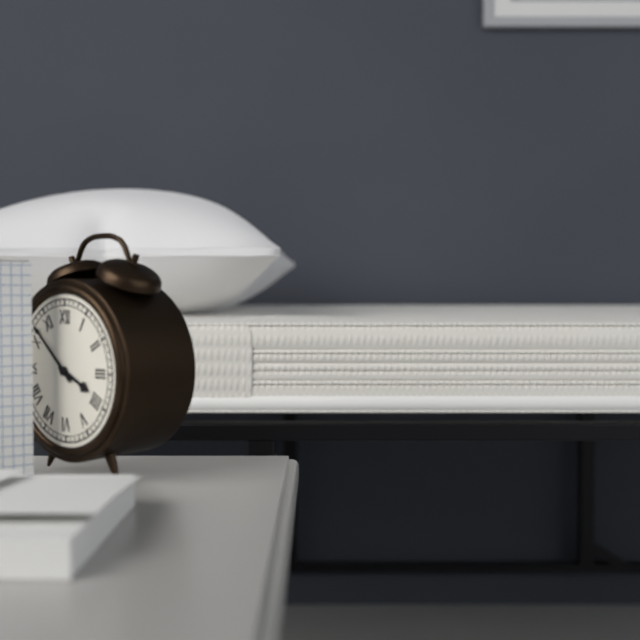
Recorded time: 3:52
